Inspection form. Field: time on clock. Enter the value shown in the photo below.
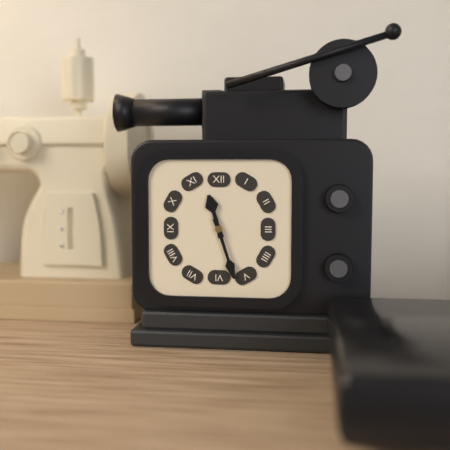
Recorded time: 11:27
